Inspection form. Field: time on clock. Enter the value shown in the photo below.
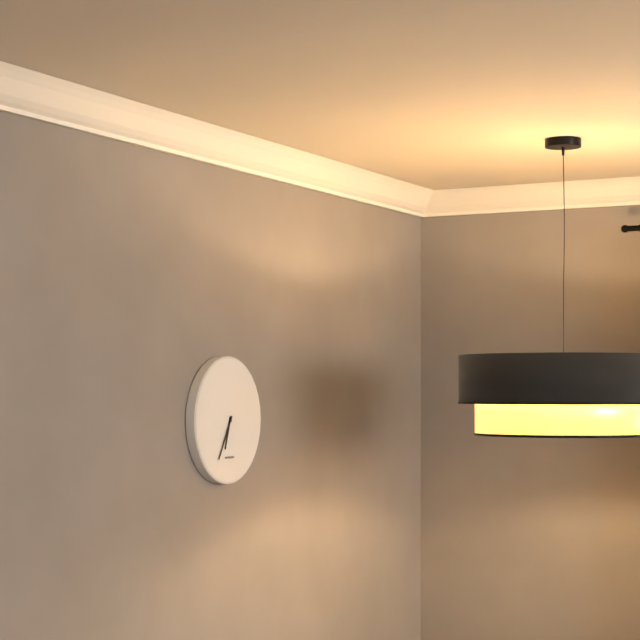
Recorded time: 6:35
